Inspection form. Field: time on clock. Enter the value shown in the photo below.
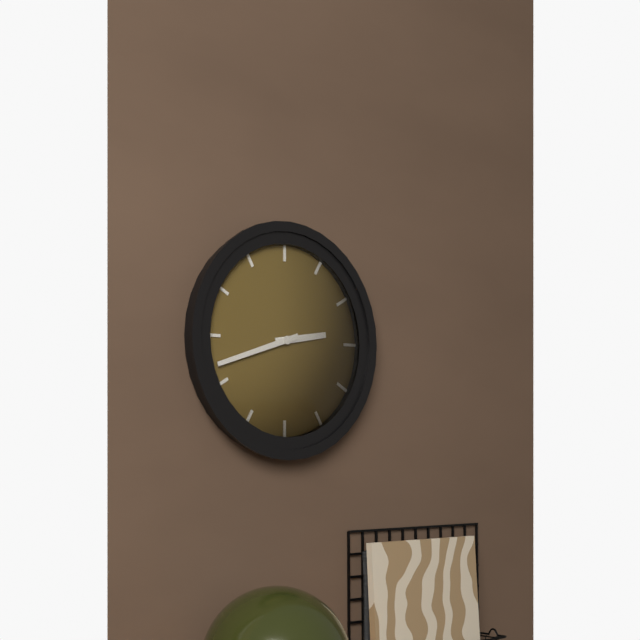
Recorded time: 2:42
